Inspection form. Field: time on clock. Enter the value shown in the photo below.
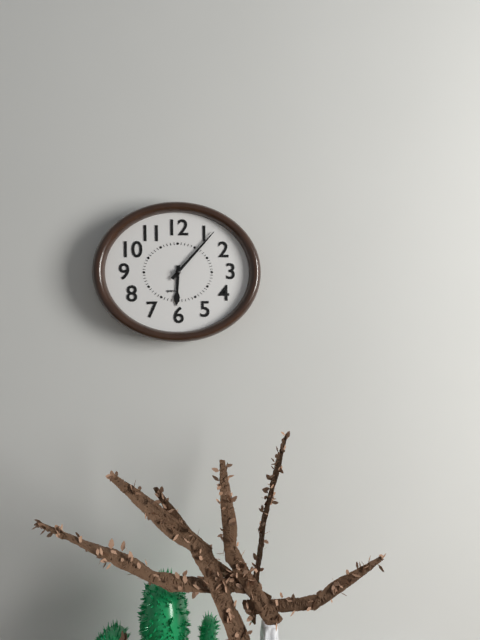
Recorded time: 6:07
